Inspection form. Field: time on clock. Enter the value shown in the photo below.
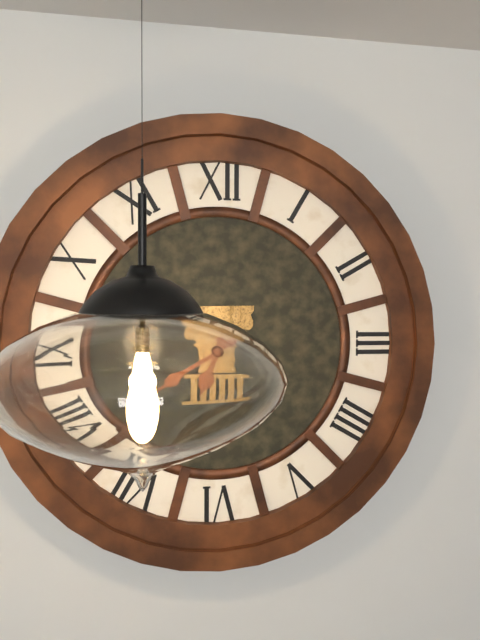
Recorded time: 6:39
